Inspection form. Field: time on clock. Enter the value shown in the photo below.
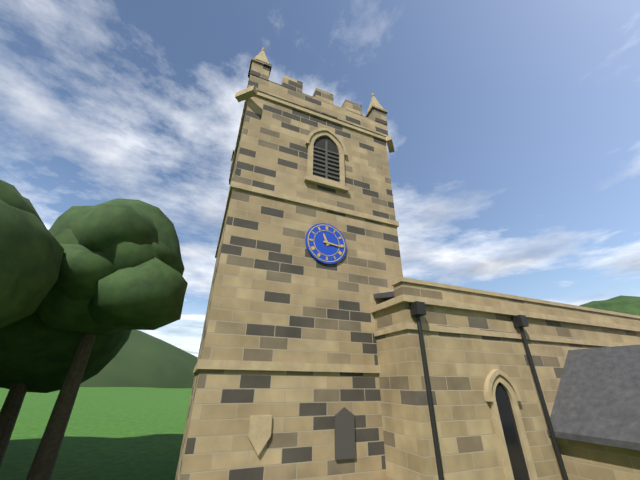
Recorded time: 11:16
